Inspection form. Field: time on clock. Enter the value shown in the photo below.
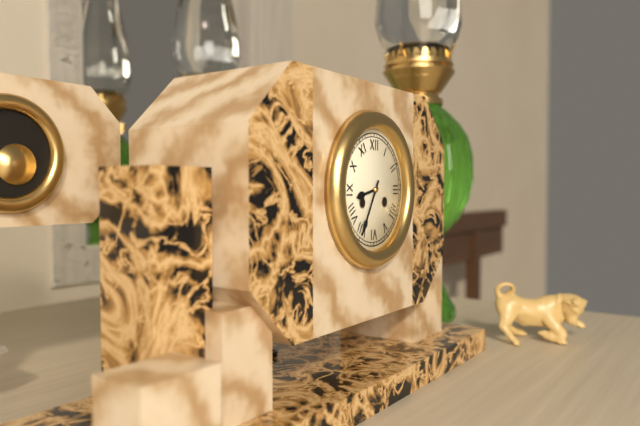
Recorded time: 8:35
